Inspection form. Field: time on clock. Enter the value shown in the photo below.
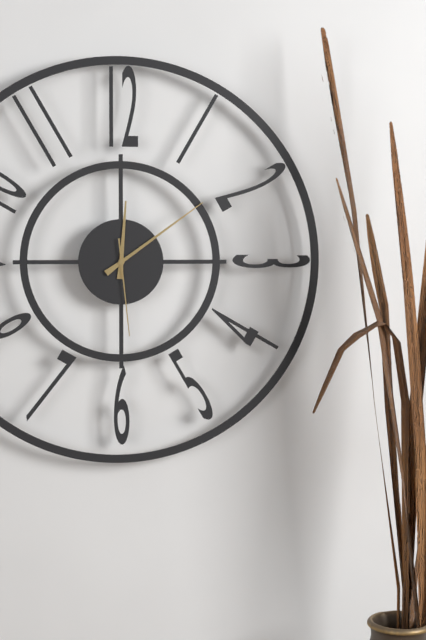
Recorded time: 12:09:29
